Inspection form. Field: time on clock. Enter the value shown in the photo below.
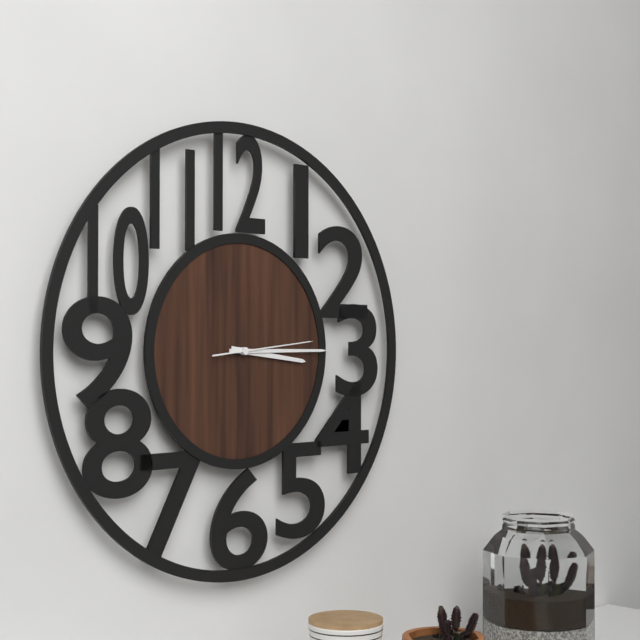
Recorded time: 3:15:14
